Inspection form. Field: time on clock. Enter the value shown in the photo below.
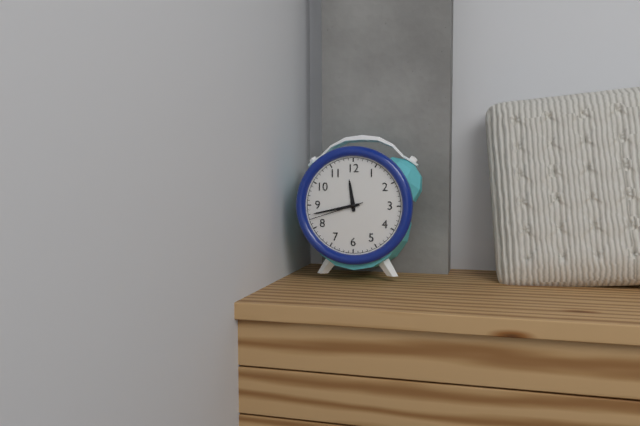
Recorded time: 11:43:42
